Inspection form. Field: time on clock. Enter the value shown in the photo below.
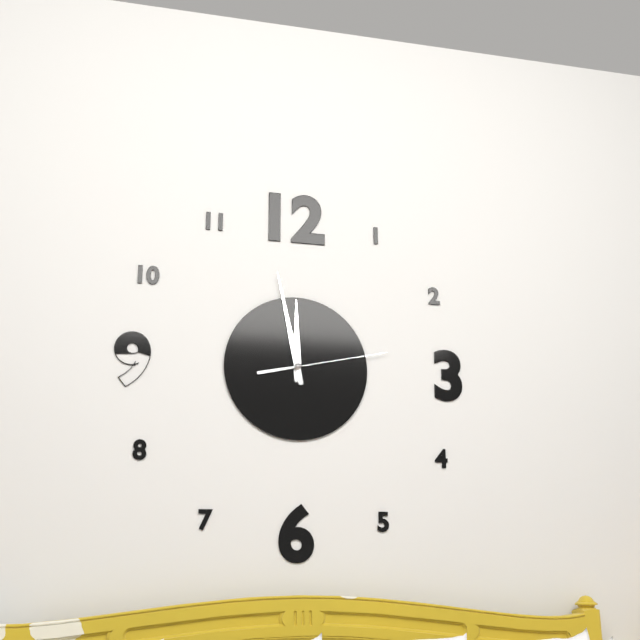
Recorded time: 11:58:13
